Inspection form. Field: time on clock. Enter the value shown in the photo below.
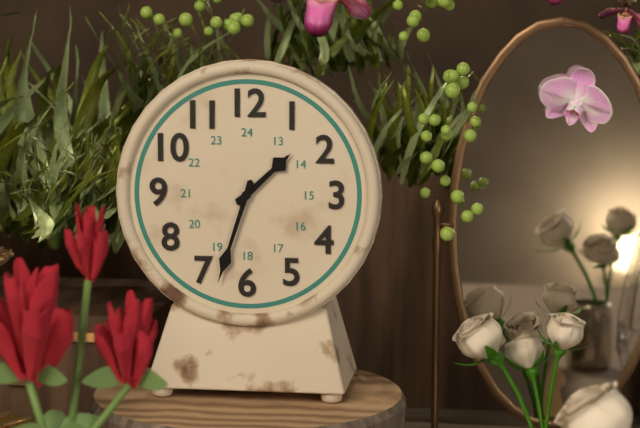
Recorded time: 1:33
